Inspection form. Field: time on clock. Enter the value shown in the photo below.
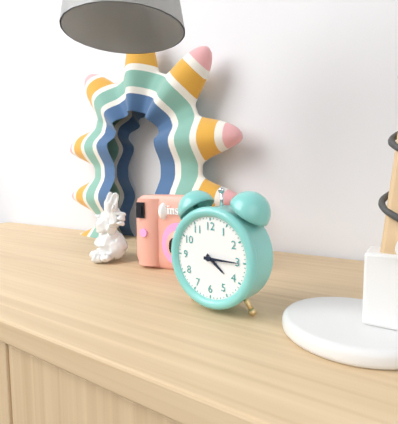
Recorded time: 4:15
